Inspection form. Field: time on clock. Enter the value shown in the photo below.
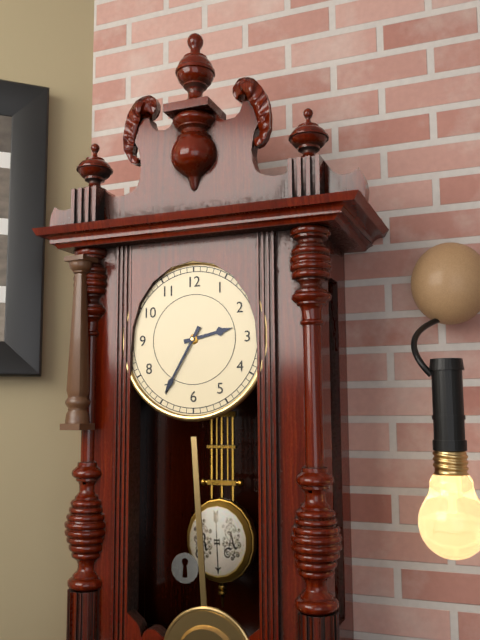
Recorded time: 2:35
